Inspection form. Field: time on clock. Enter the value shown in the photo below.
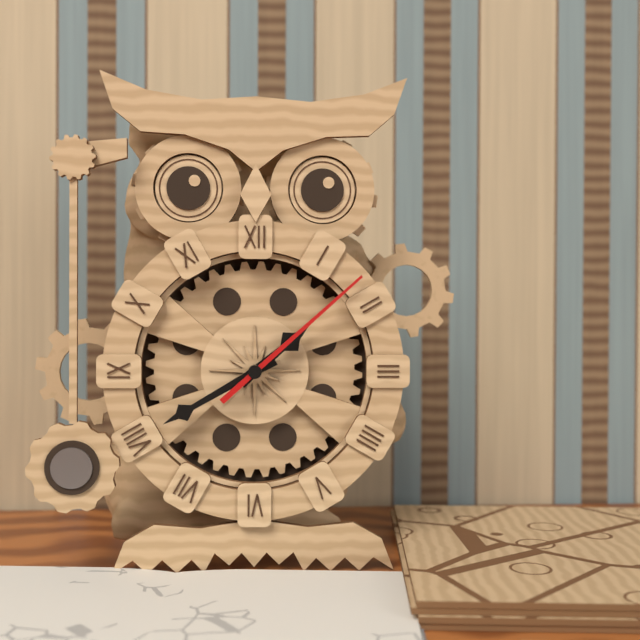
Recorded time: 1:40:08
